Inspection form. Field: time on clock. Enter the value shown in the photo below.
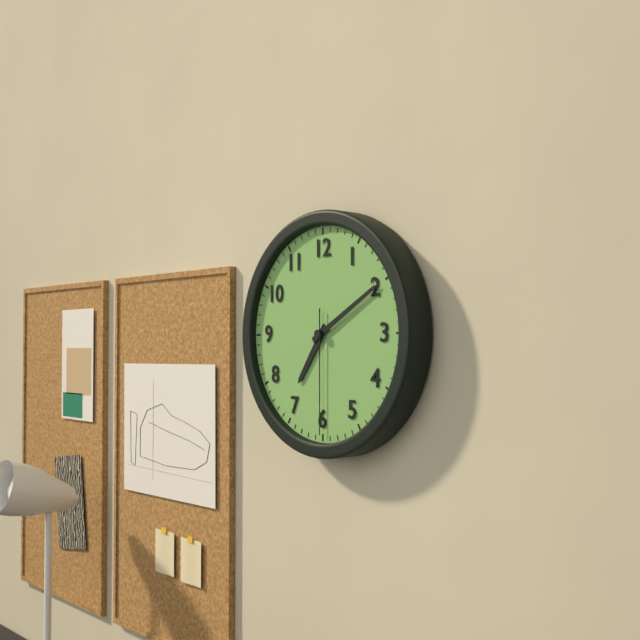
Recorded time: 7:10:30
